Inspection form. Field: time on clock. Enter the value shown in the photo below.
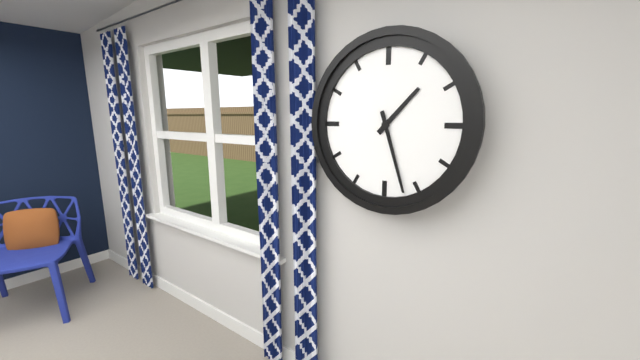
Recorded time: 1:27
